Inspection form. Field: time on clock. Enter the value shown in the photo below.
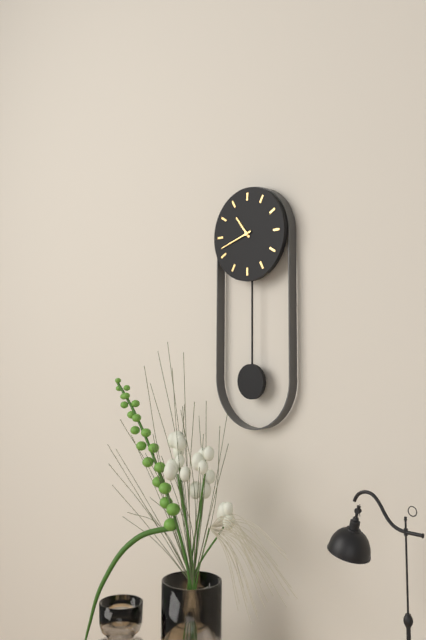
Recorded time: 10:42
